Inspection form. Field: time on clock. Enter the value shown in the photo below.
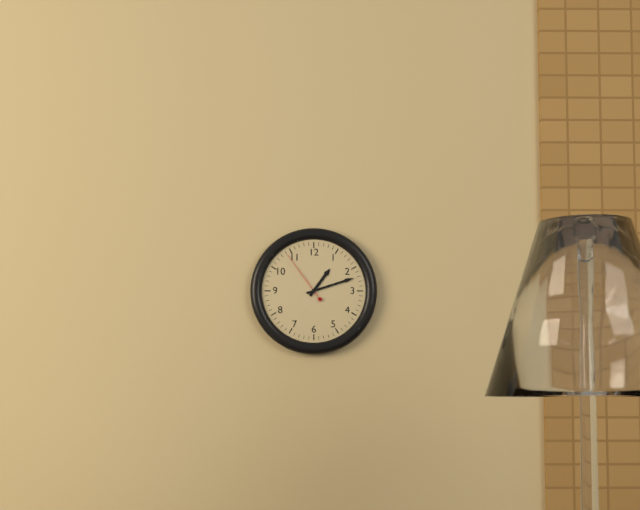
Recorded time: 1:12:54
